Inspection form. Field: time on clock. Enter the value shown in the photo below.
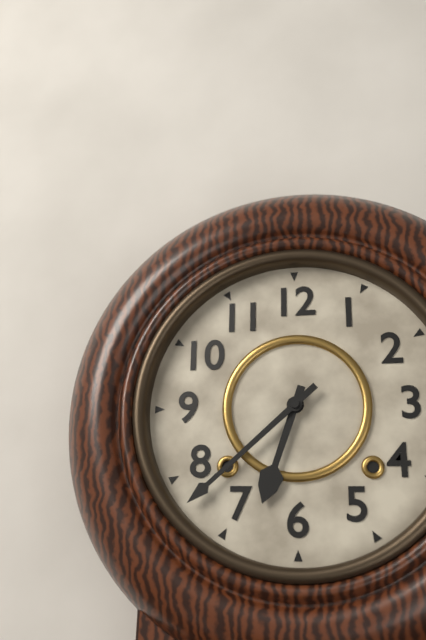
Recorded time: 6:38
